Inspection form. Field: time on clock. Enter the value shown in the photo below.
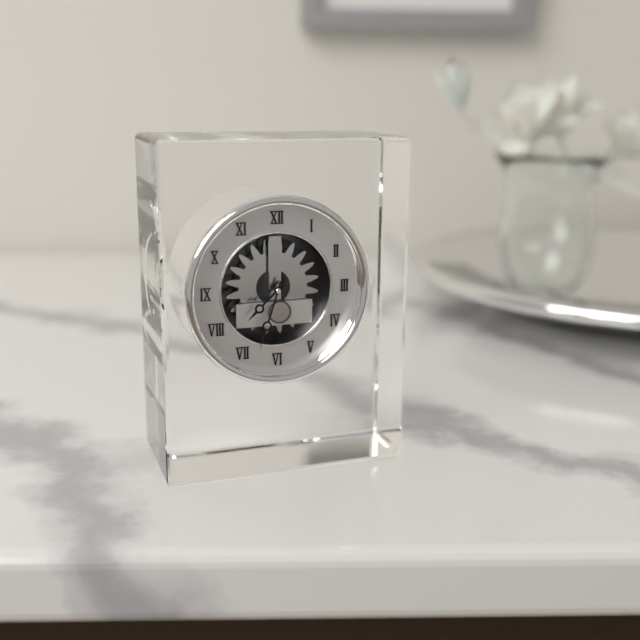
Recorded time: 7:33
